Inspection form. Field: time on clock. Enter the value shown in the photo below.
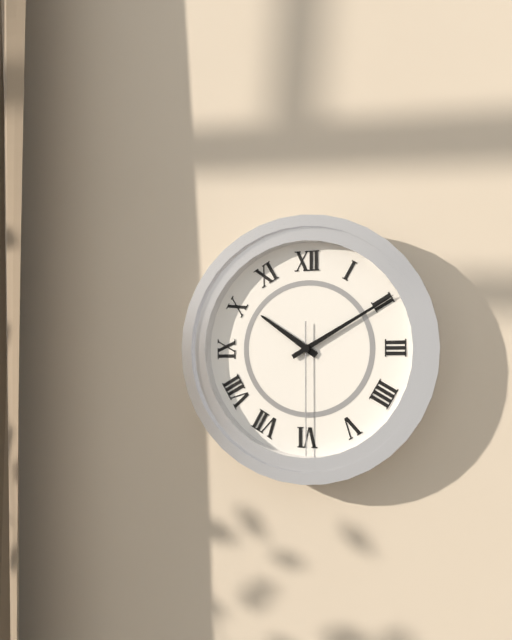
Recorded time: 10:10:30
